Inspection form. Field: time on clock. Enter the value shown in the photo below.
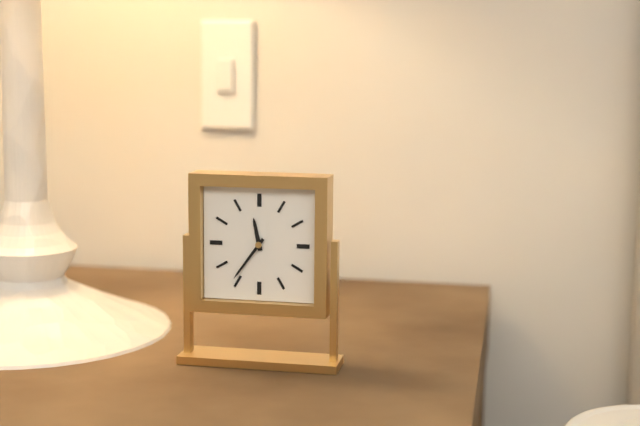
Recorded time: 11:36
